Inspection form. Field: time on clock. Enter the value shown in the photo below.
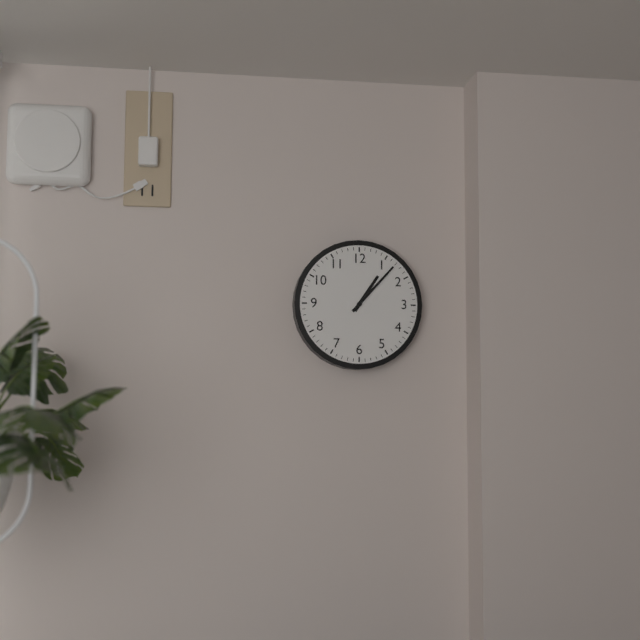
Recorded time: 1:07
